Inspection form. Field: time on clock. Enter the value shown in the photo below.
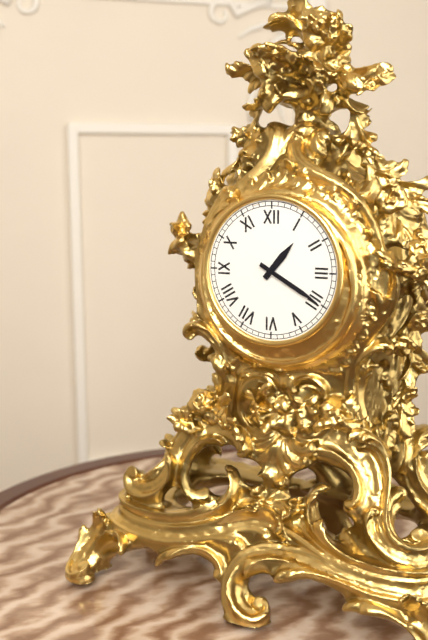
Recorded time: 1:20
